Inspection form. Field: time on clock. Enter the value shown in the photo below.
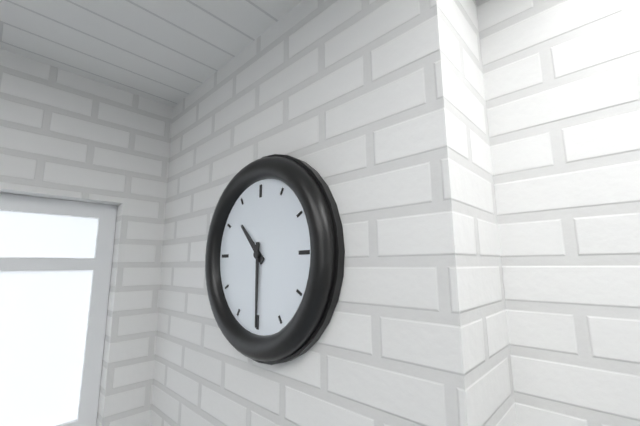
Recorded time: 10:30
